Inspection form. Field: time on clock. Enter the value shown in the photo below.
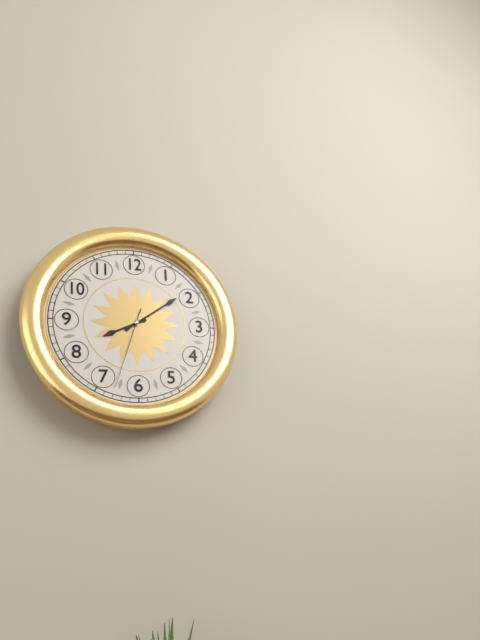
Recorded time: 8:09:33
